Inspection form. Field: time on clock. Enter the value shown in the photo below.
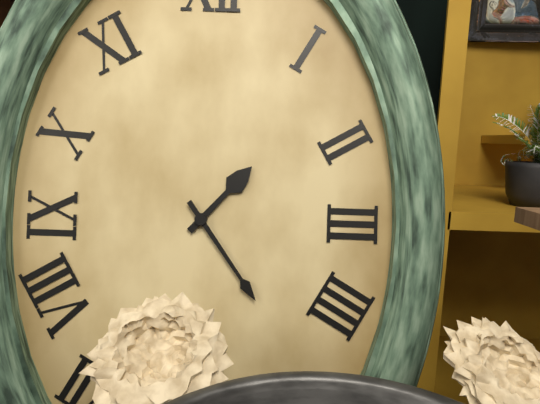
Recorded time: 1:24
